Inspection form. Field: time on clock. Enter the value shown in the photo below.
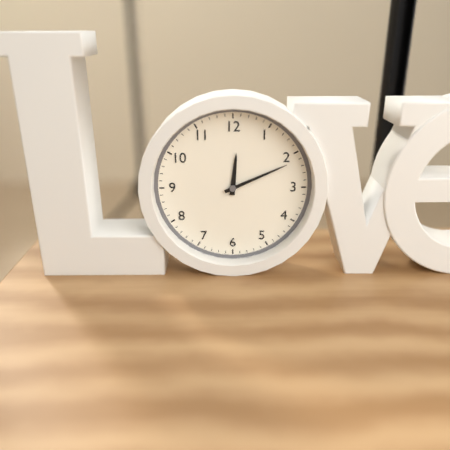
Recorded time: 12:11
